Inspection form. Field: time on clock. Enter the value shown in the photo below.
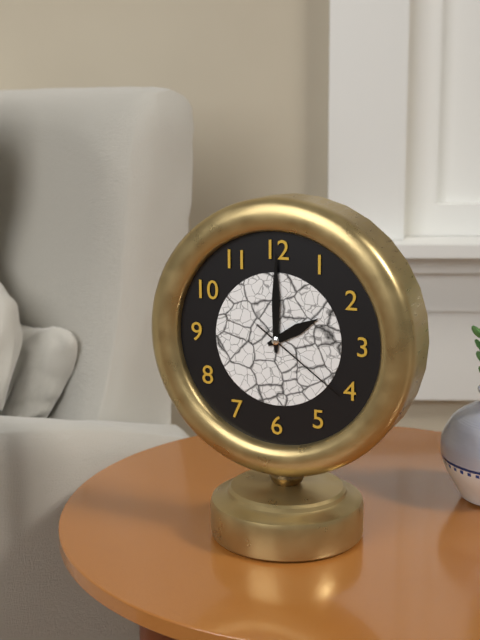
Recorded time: 2:00:21
